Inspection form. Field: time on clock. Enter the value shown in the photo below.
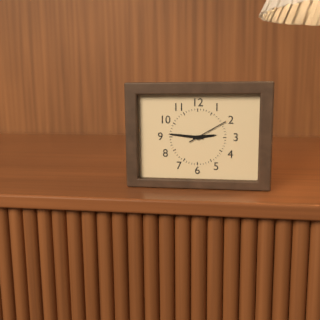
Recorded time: 2:46
